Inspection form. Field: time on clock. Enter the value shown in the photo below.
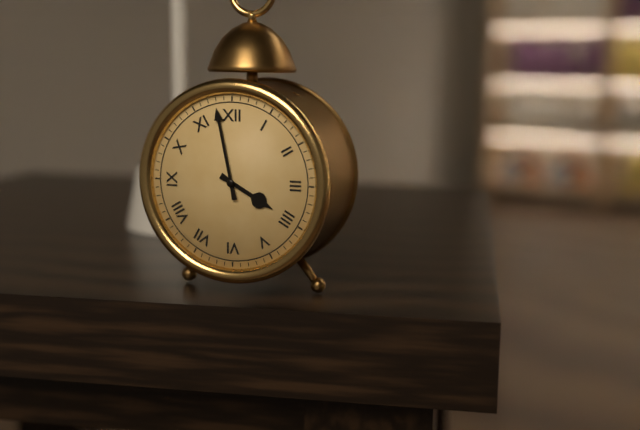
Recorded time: 3:58
